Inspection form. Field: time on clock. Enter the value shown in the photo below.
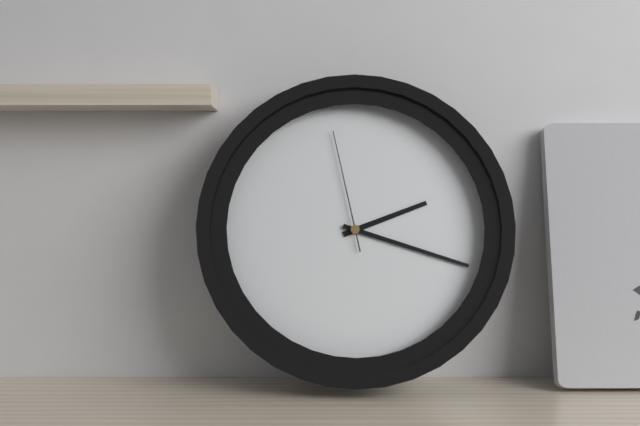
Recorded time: 2:18:58
